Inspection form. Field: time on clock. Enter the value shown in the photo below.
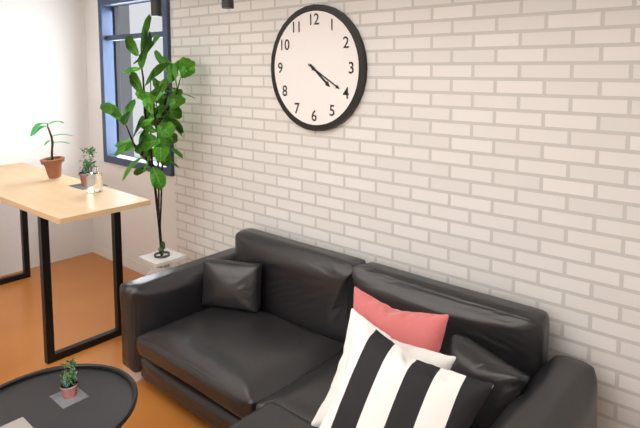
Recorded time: 4:20
